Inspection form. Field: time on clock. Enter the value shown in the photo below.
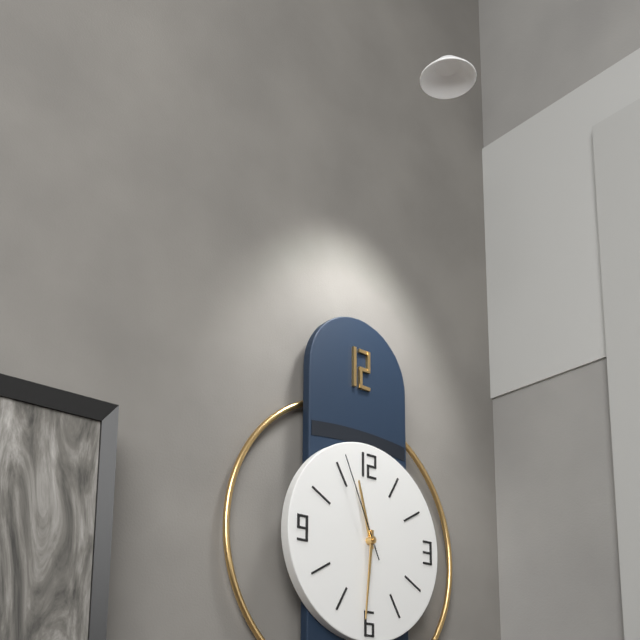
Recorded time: 11:31:56
